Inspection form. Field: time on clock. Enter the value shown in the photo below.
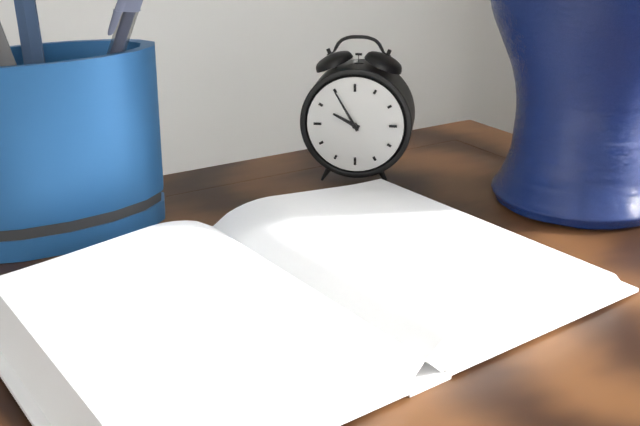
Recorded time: 9:55
